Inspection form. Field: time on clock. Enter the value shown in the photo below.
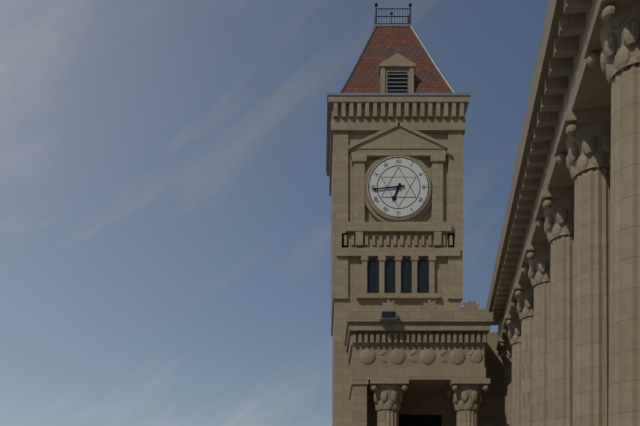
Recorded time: 6:44
